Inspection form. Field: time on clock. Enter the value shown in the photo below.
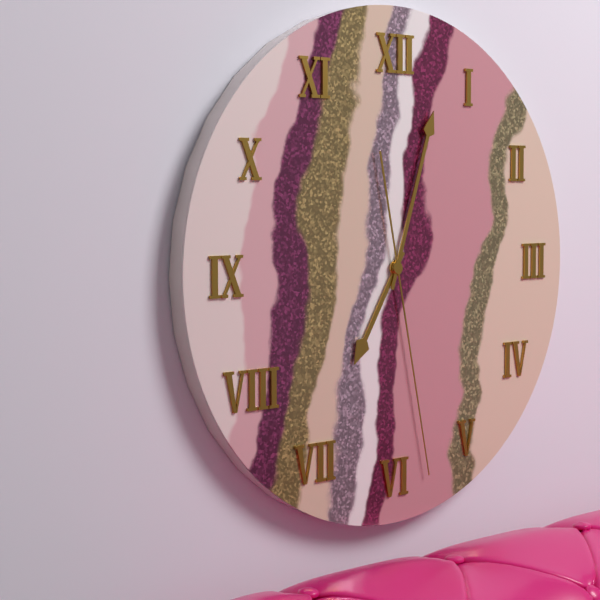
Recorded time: 7:03:28
